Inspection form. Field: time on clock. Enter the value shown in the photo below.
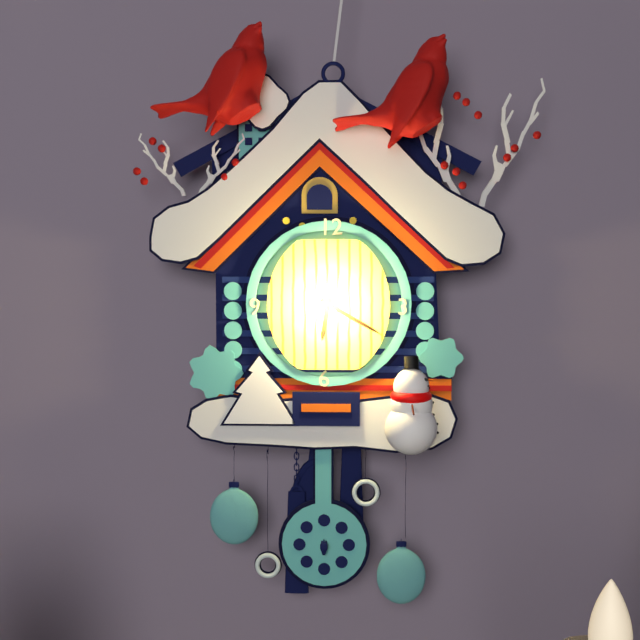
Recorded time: 6:20
